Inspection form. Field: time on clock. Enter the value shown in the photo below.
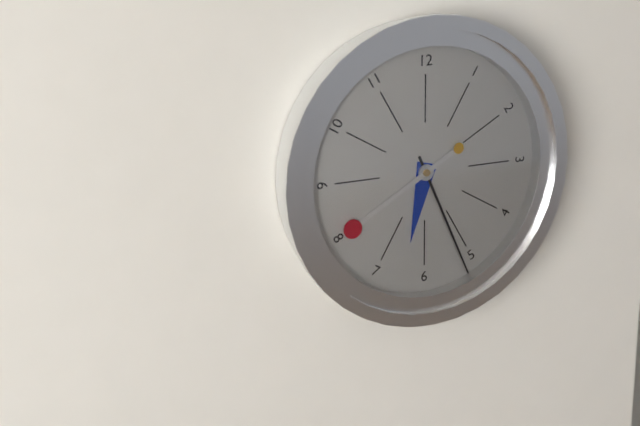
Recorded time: 6:26:40
